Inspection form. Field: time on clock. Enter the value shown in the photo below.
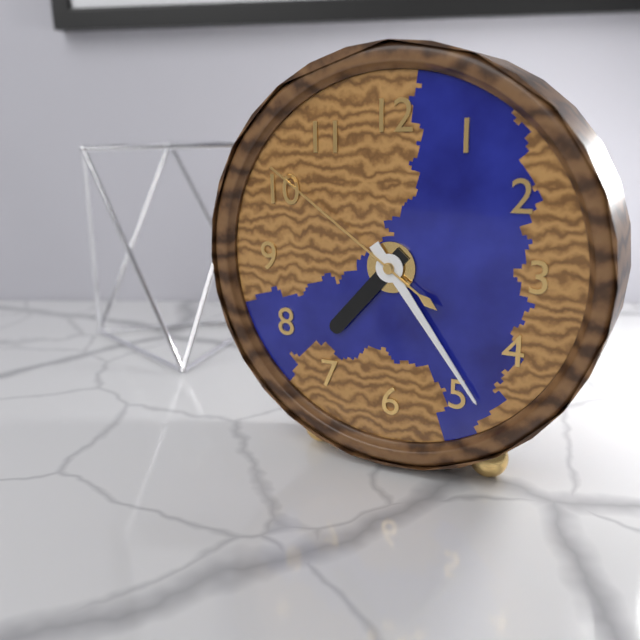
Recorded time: 7:24:51
